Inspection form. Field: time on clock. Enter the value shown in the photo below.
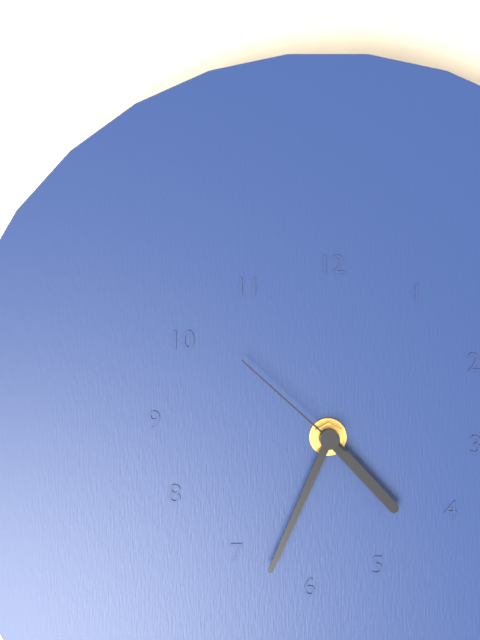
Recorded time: 4:34:52
